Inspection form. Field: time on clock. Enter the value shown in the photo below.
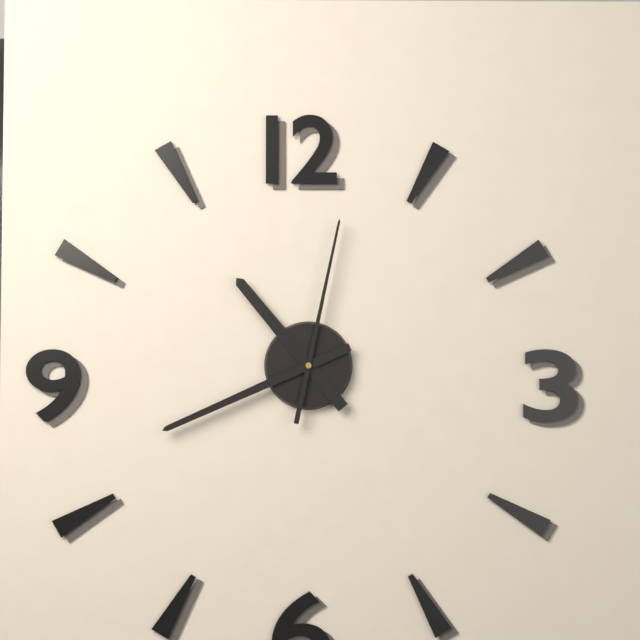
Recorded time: 10:41:02
